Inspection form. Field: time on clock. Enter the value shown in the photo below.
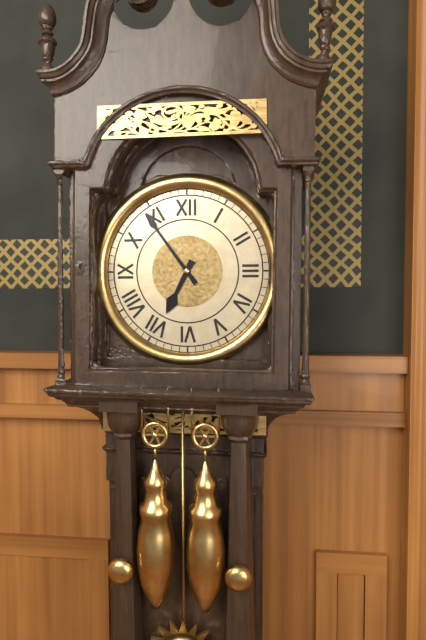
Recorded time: 6:54
